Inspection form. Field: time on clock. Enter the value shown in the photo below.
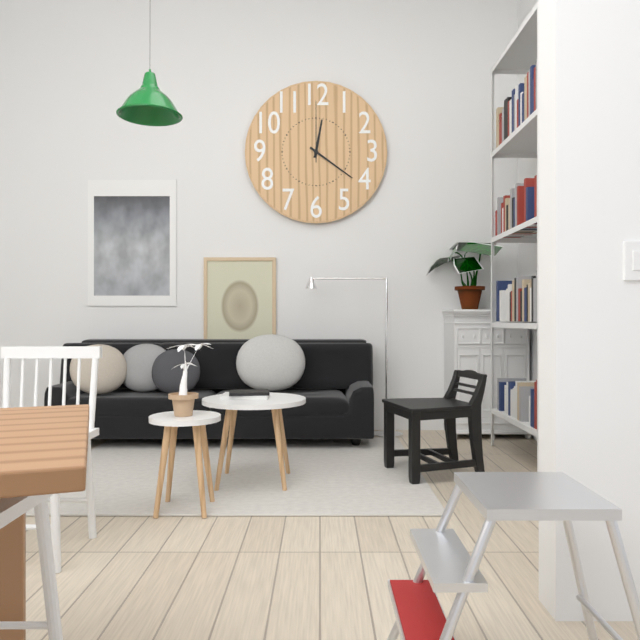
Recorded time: 12:21:00
